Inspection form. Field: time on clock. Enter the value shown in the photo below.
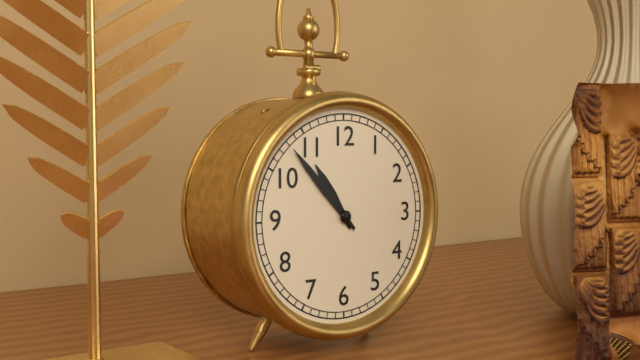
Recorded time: 10:53
